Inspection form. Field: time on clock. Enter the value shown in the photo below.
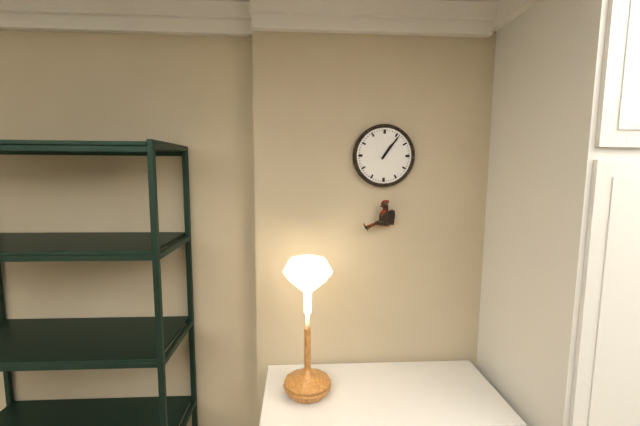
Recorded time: 1:06
